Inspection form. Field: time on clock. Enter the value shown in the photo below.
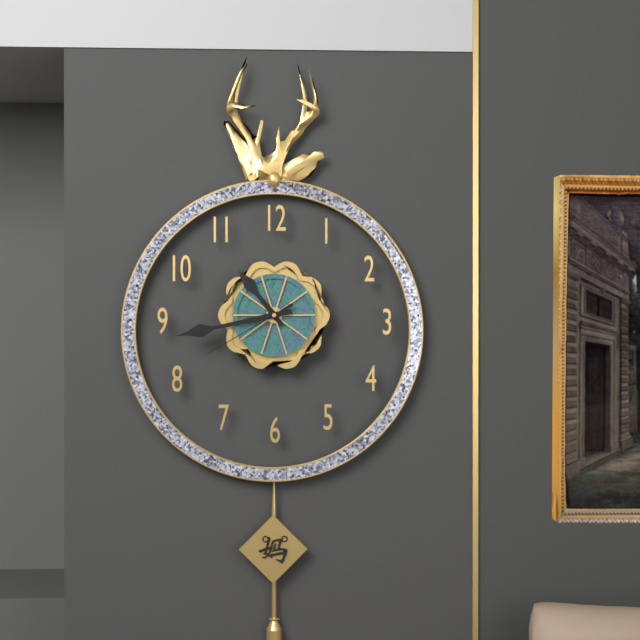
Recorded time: 10:43:40
